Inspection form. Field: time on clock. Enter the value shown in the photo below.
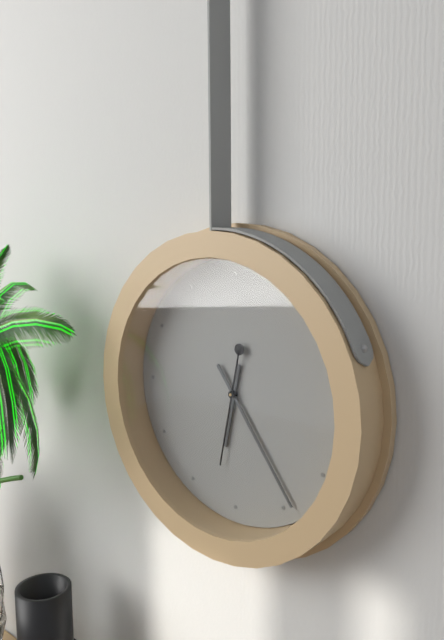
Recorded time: 6:24:32
